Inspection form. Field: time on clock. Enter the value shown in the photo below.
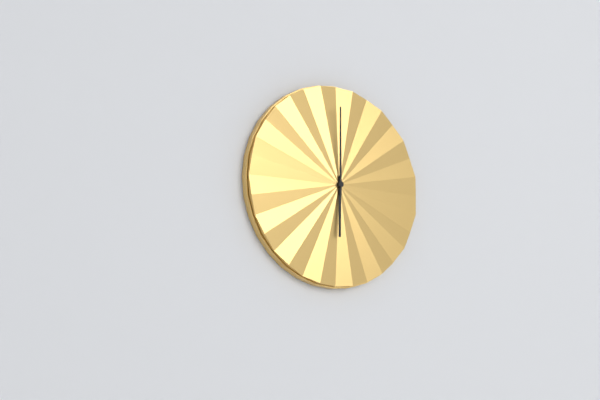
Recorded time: 6:00
